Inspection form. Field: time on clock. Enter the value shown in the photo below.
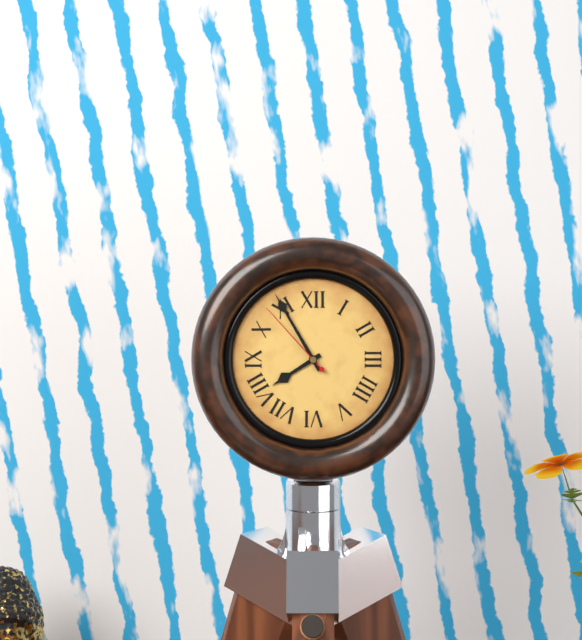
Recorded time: 7:55:53
